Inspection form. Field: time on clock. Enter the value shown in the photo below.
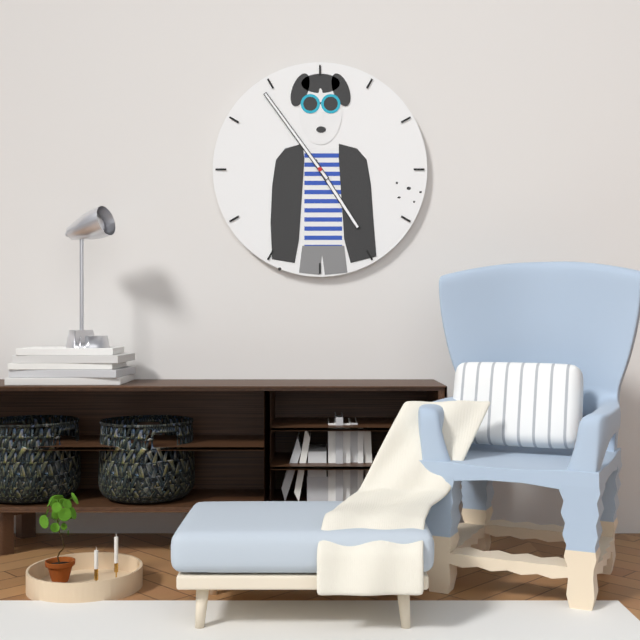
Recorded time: 4:54
